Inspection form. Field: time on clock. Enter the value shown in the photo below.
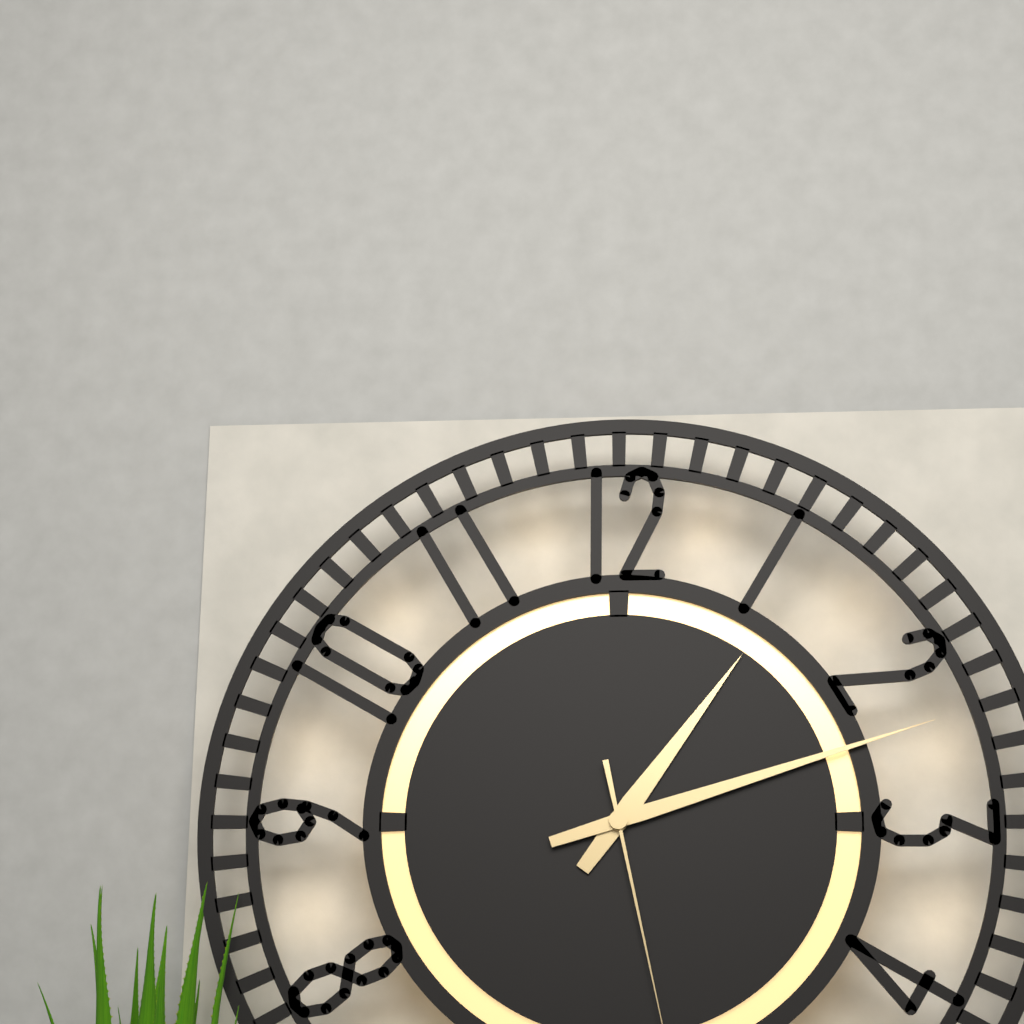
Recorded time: 1:12
